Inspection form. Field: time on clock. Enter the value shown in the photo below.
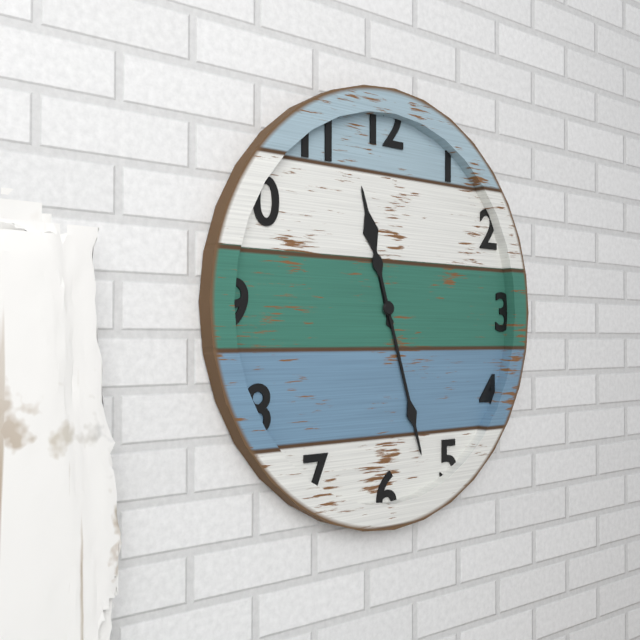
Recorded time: 11:27
